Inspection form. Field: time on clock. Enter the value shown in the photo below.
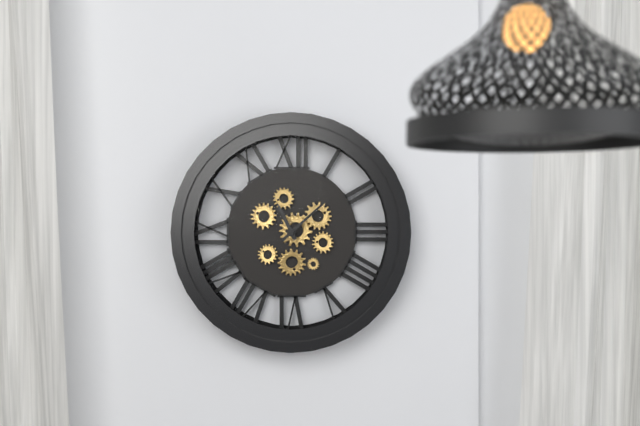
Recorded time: 11:08
